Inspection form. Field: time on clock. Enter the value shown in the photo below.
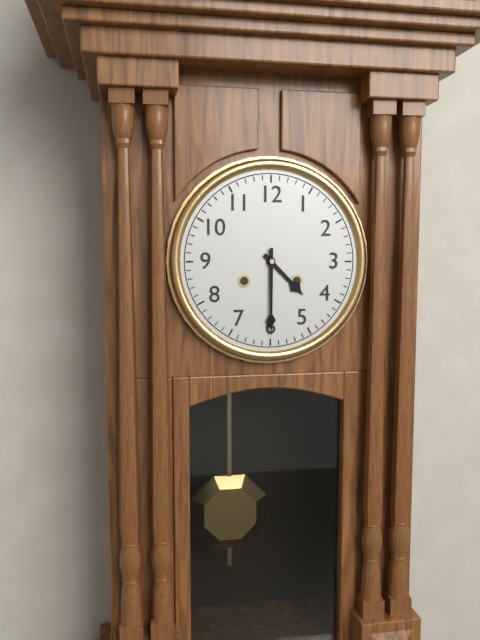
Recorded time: 4:30
